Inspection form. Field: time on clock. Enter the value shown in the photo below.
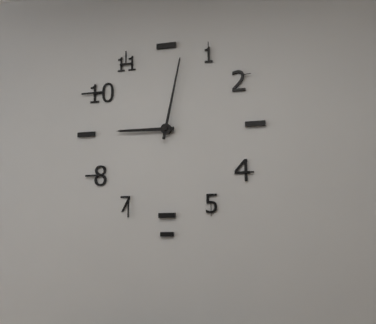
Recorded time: 9:02
